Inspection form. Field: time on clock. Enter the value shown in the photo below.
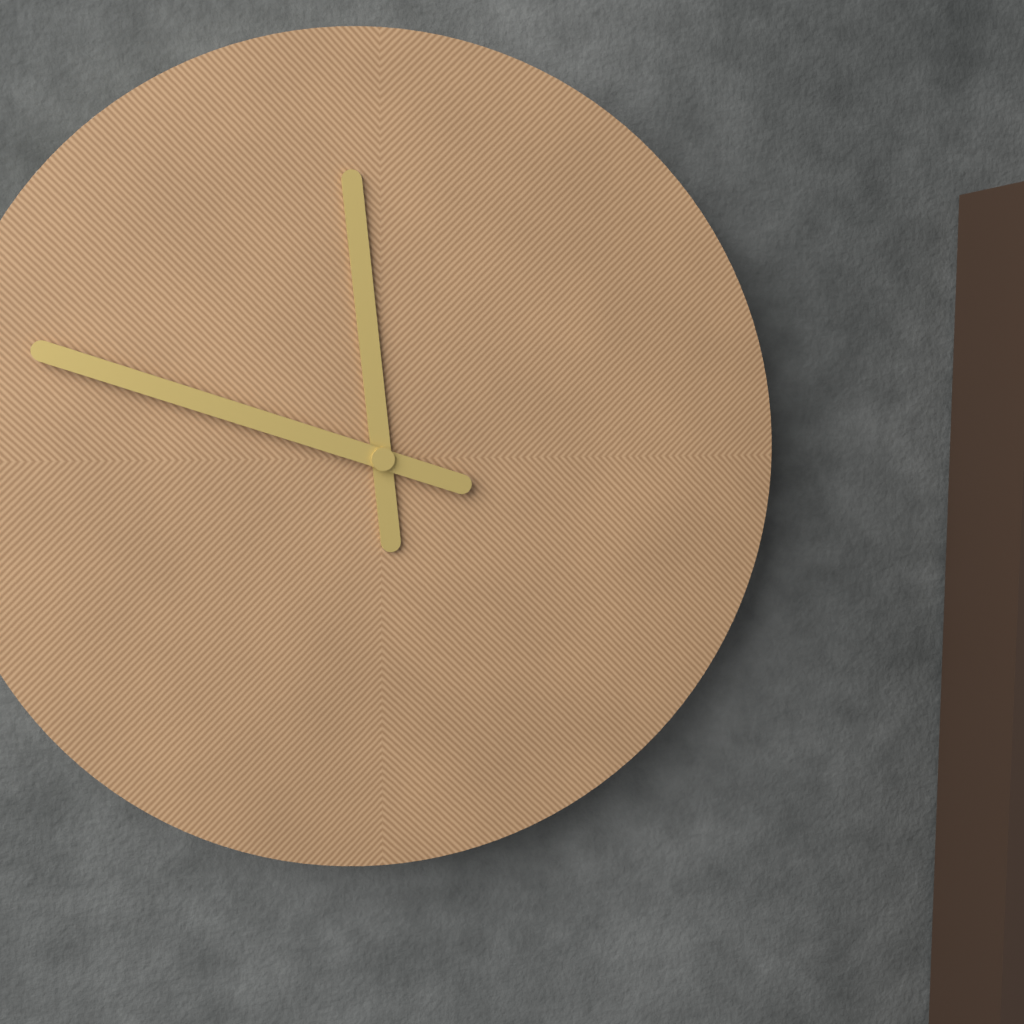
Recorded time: 11:48
